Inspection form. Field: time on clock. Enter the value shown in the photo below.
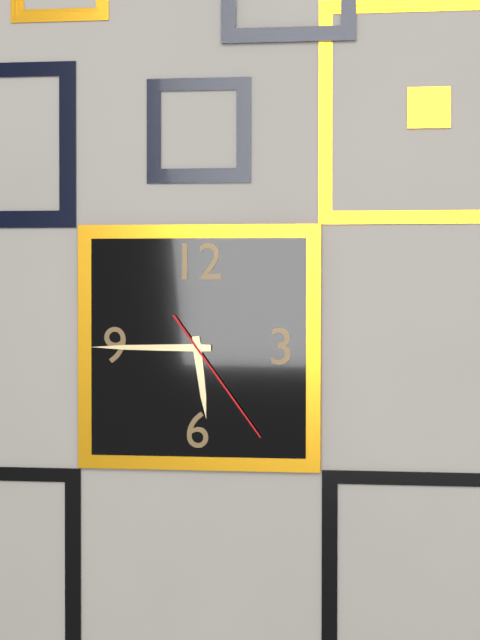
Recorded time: 5:45:24
